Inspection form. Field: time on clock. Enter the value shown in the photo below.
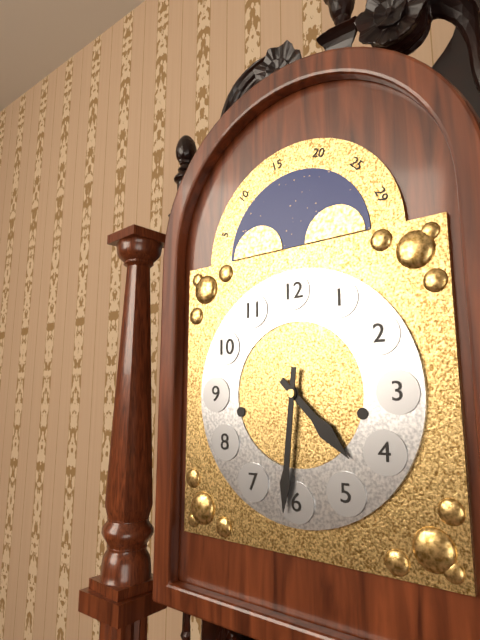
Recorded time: 4:31
